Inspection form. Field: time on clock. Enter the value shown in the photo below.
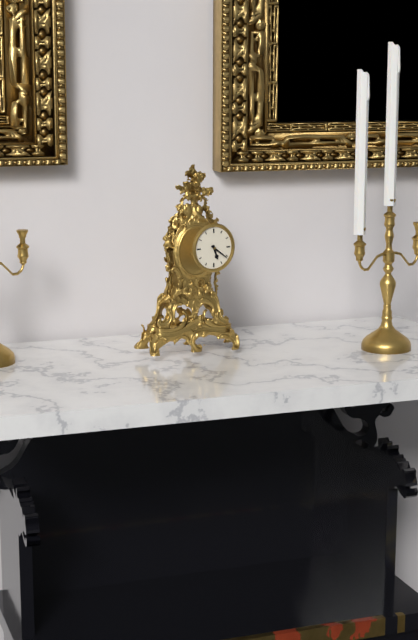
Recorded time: 5:21
